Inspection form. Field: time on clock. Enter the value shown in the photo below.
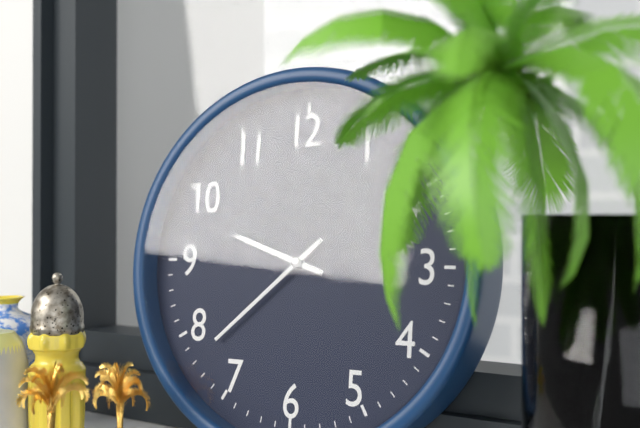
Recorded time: 9:38
